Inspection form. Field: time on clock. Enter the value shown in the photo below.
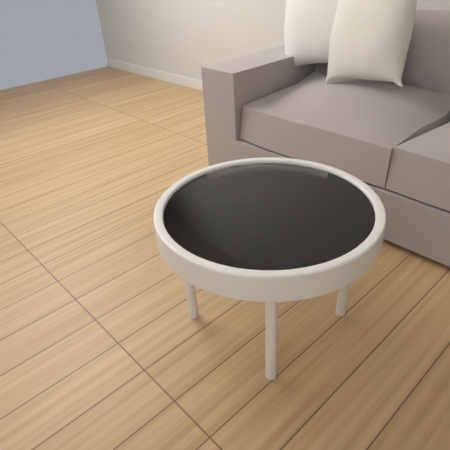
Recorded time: 8:20
